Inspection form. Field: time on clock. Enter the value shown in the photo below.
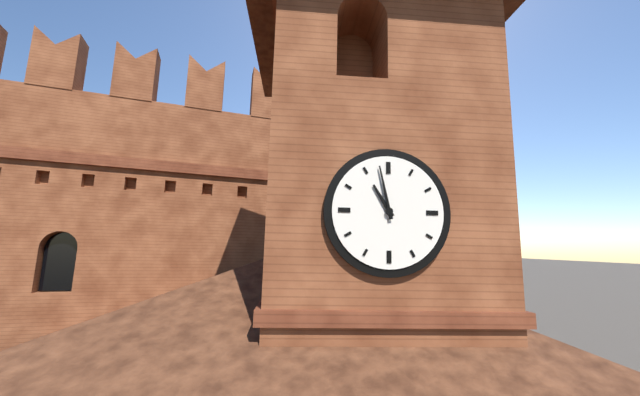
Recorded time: 10:58
